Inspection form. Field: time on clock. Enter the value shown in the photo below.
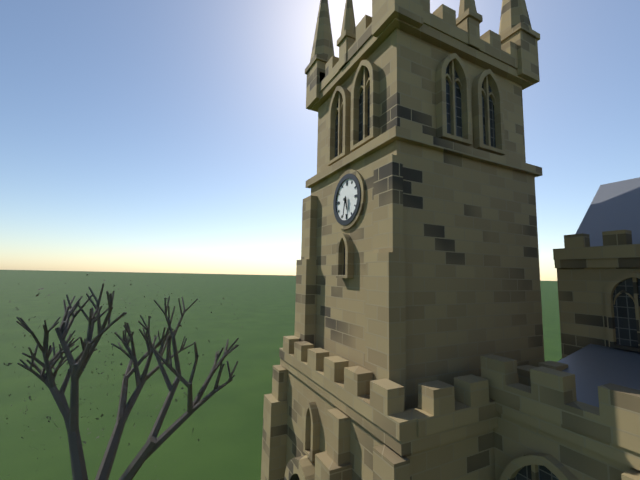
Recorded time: 5:32
